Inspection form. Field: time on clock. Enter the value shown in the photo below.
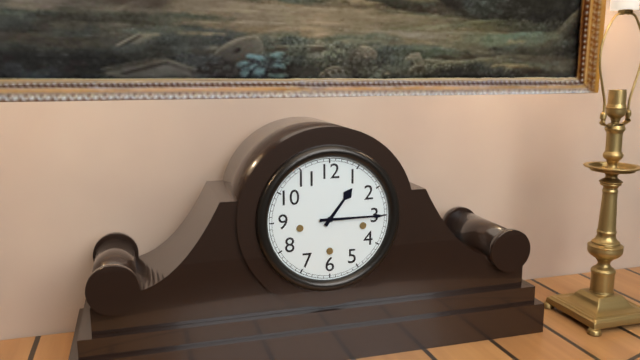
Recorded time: 1:15
